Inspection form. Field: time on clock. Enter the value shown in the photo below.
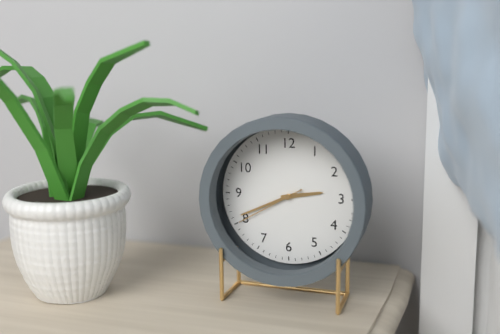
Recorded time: 2:41:40
